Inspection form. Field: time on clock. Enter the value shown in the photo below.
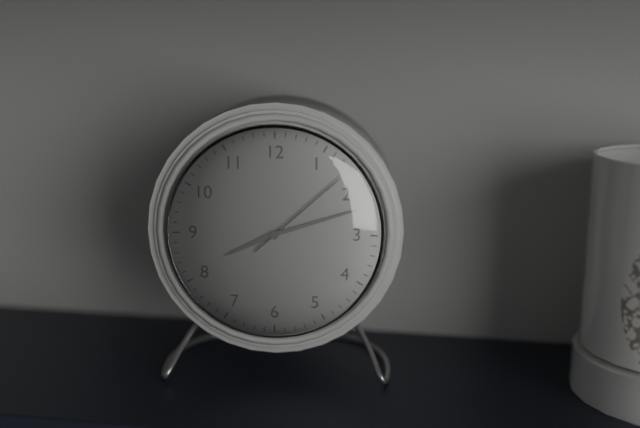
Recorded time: 8:12:08
